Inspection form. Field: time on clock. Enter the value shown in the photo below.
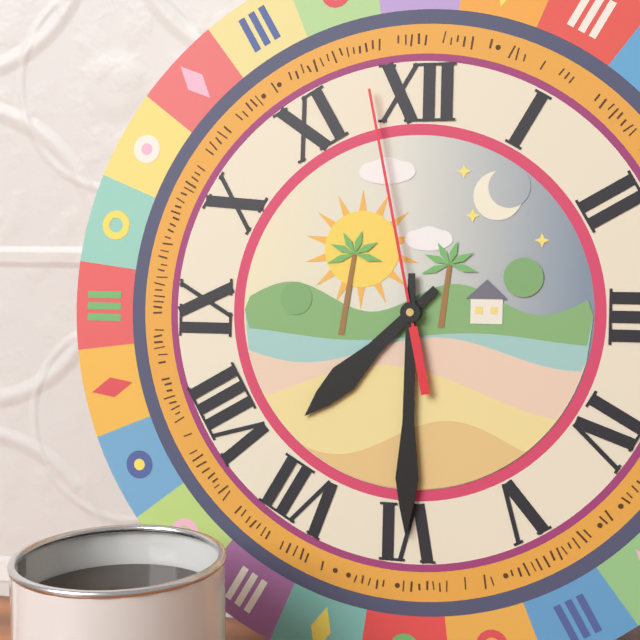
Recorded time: 7:30:58
